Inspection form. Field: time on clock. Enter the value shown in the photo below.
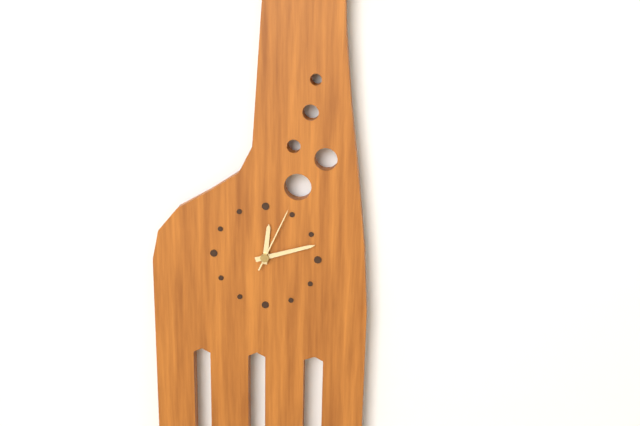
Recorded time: 12:12:04
